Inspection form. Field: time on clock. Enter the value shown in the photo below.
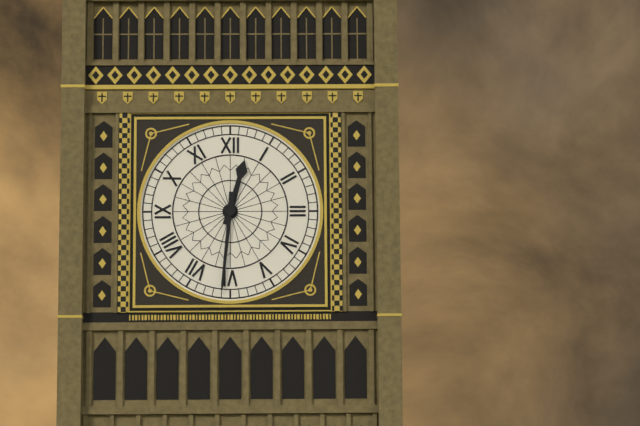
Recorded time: 12:31
